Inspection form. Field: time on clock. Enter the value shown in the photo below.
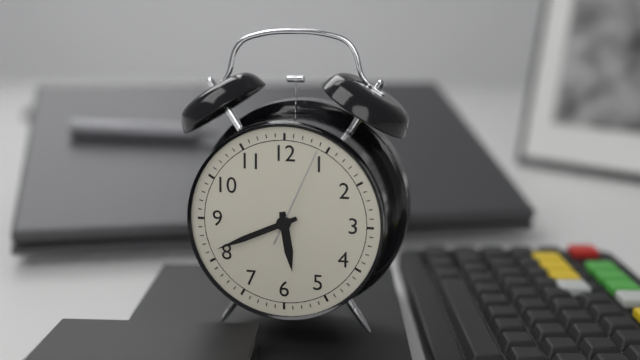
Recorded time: 5:41:04
